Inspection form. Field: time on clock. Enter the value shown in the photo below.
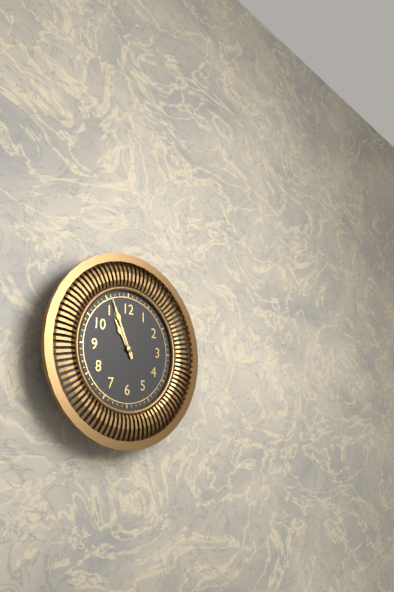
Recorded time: 10:56
